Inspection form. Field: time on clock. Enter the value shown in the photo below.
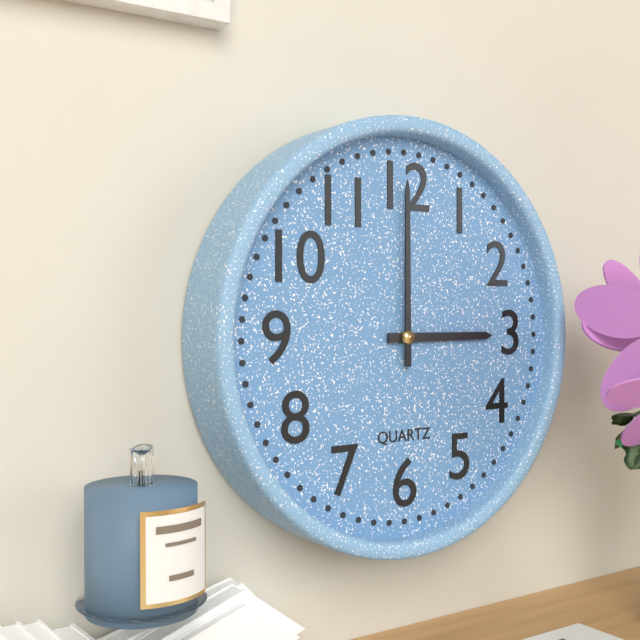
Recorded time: 3:00
